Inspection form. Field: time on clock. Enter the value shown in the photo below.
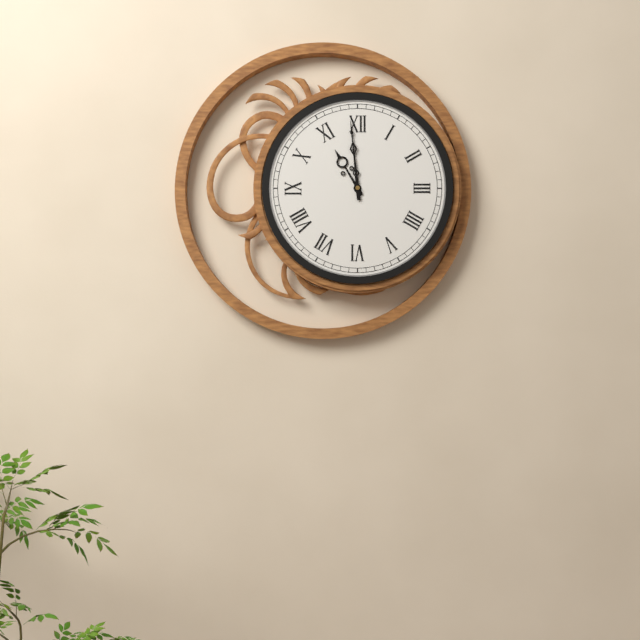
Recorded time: 10:59
